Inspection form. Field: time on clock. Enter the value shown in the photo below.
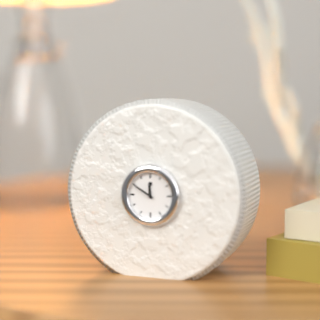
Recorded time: 11:50
